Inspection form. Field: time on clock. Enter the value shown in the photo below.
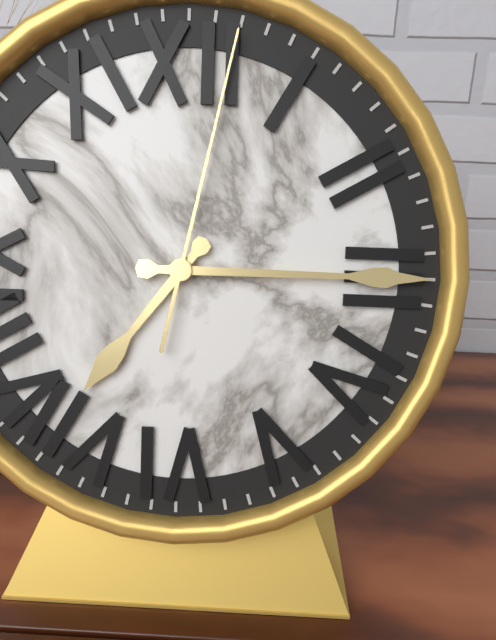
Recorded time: 7:15:02
